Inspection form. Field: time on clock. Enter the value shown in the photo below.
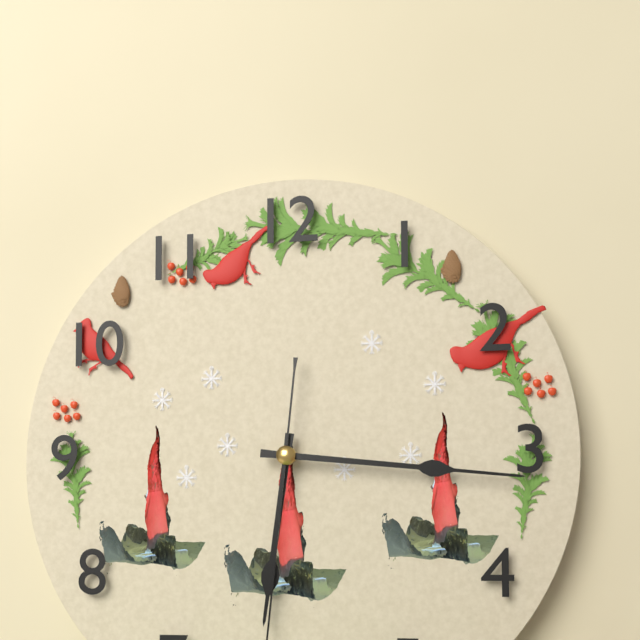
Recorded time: 6:16
